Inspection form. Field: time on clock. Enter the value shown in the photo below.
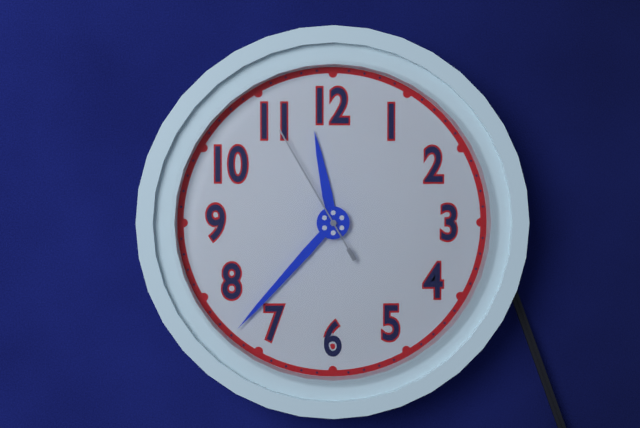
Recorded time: 11:37:55
